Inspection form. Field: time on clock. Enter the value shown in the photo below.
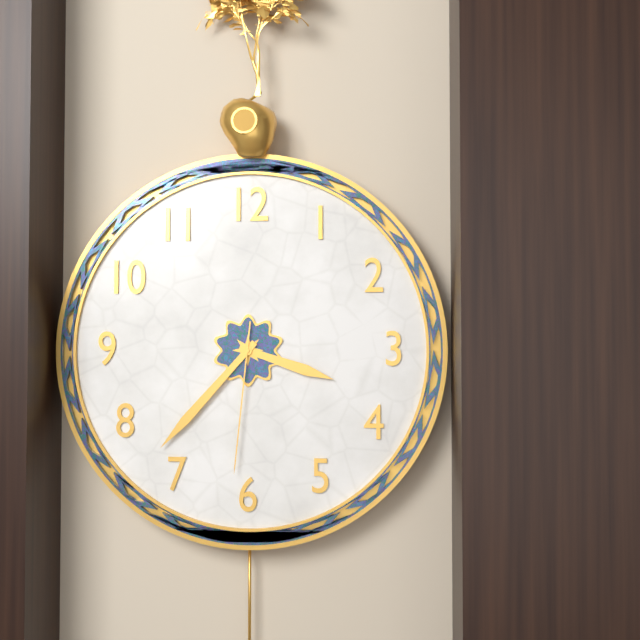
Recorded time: 3:37:31
